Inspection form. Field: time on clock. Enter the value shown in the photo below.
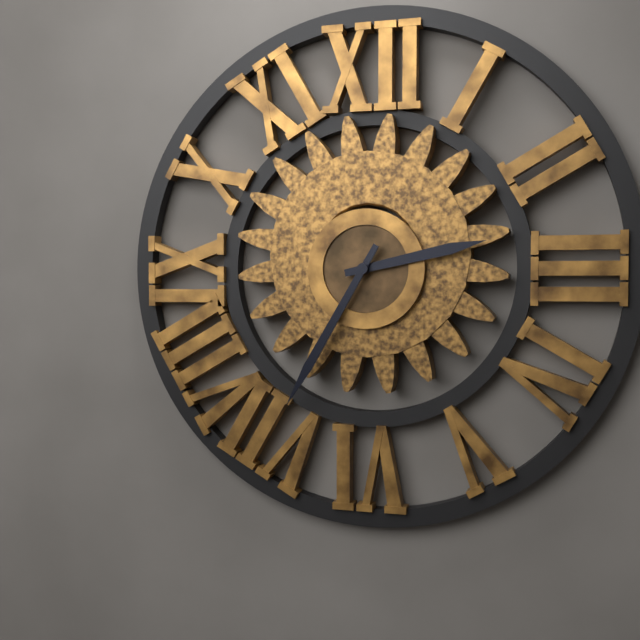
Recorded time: 2:35
